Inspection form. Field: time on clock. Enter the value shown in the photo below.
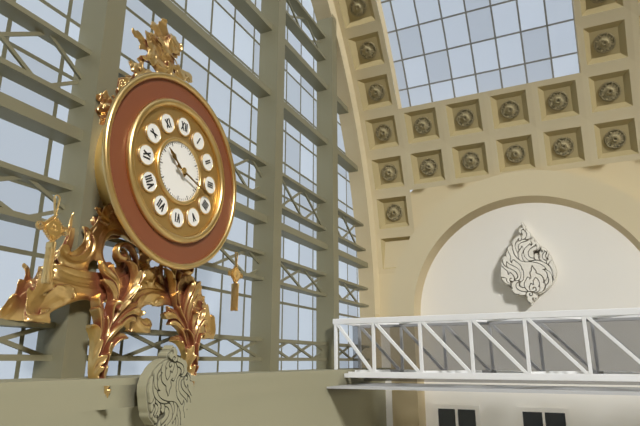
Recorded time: 10:18
